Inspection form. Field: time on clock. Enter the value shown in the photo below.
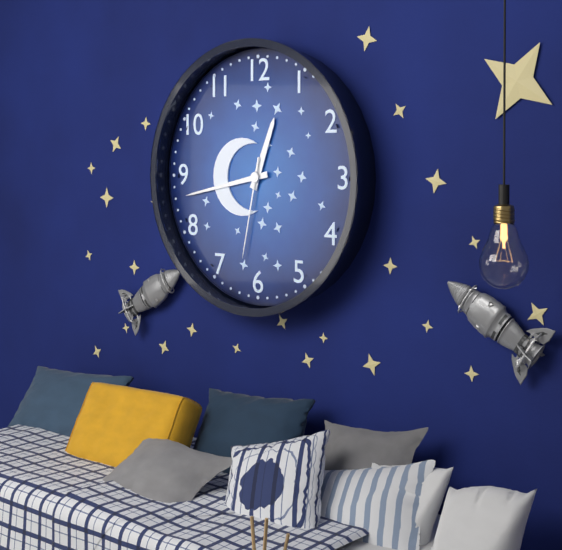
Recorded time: 12:43:32
